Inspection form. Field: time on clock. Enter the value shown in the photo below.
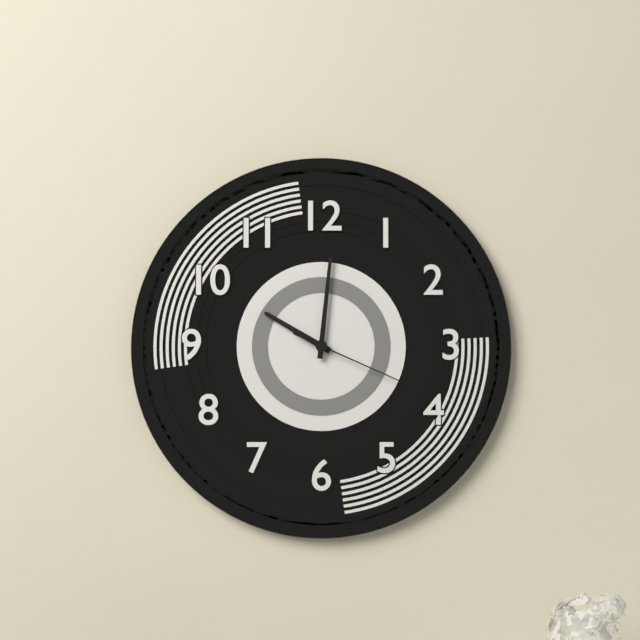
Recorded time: 10:01:19
